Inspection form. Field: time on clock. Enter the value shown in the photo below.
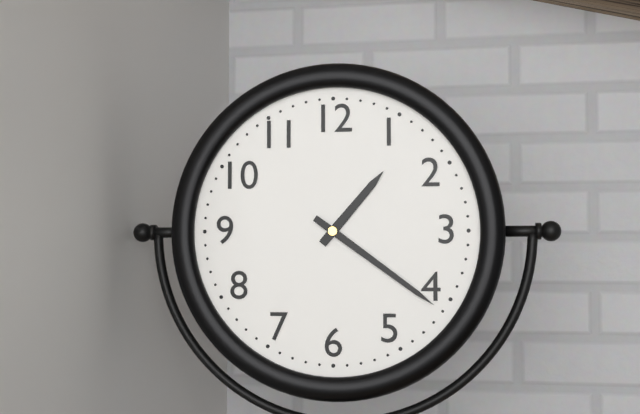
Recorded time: 1:21
